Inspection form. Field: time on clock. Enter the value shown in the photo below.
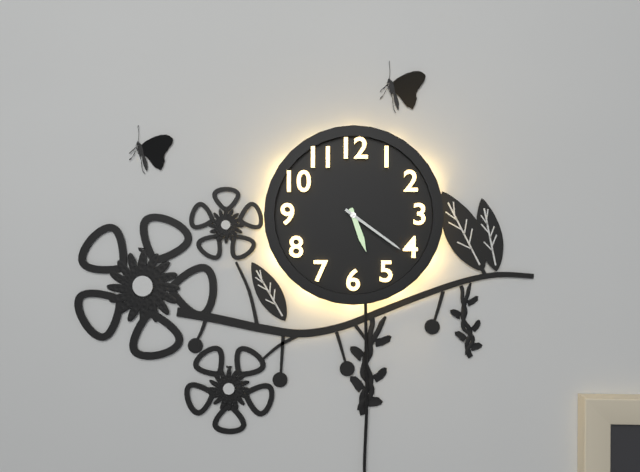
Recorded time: 5:21
